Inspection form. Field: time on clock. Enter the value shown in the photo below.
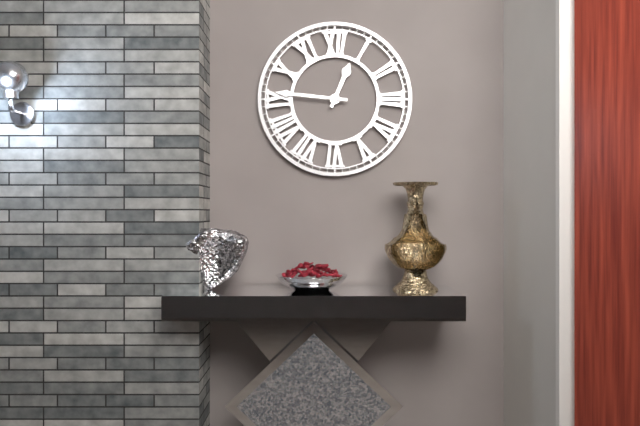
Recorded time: 12:46
